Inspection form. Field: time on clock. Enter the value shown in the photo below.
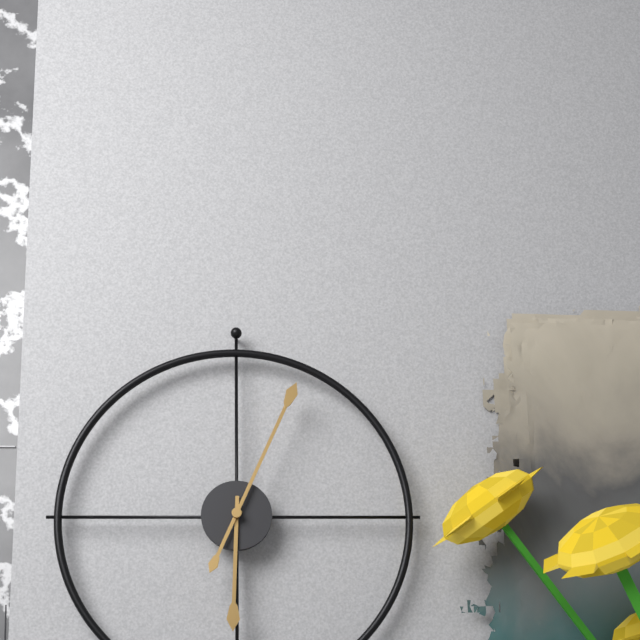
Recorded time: 6:04
